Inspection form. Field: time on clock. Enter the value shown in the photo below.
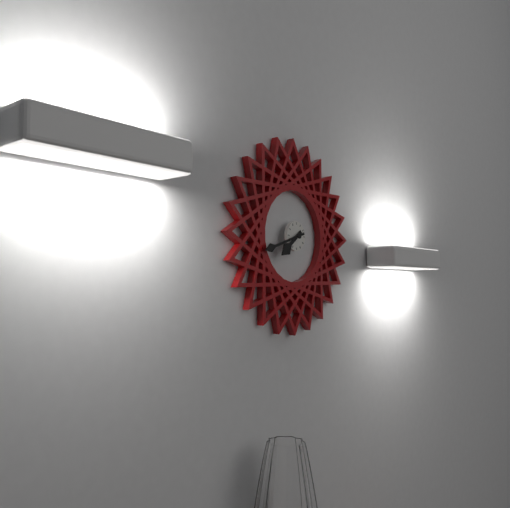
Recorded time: 7:42
